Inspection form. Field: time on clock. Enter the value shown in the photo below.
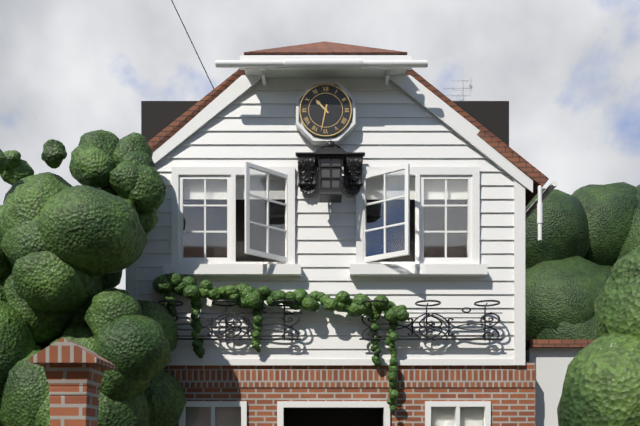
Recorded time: 10:32
